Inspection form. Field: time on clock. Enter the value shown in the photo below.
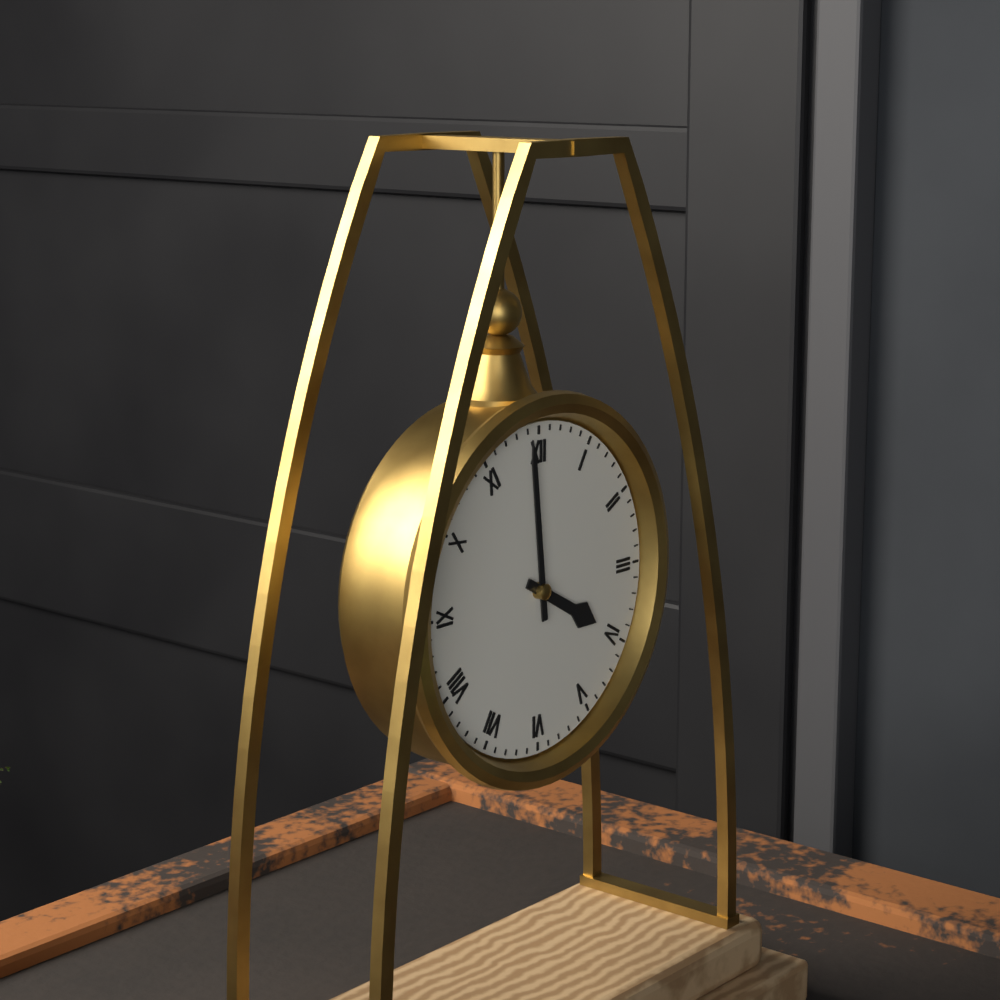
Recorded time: 3:59
